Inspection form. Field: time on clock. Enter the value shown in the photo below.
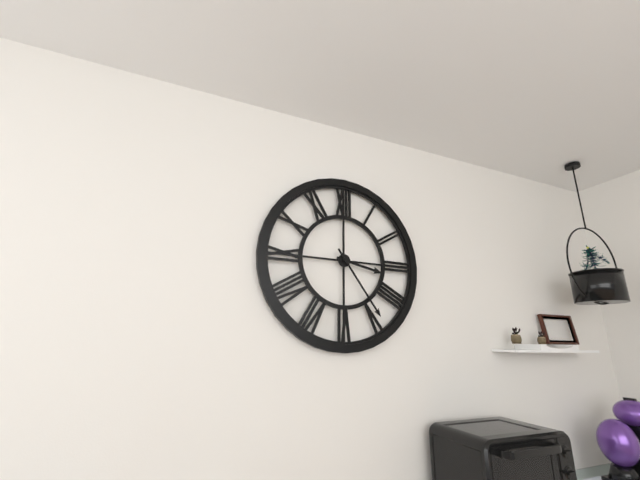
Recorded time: 3:24
